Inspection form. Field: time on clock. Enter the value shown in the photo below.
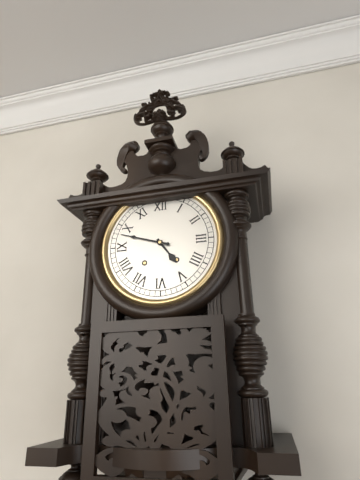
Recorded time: 4:48
